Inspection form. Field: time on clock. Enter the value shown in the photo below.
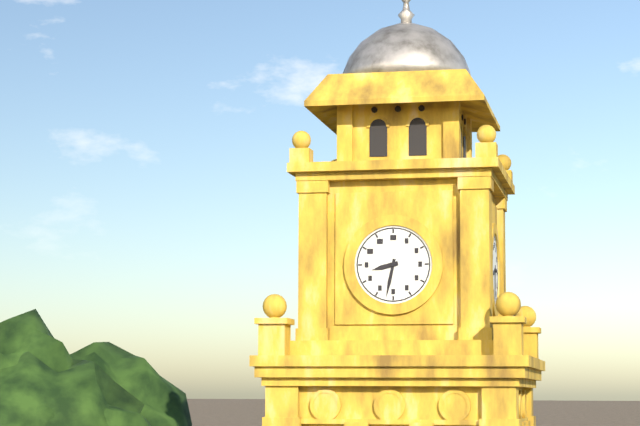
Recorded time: 8:32
